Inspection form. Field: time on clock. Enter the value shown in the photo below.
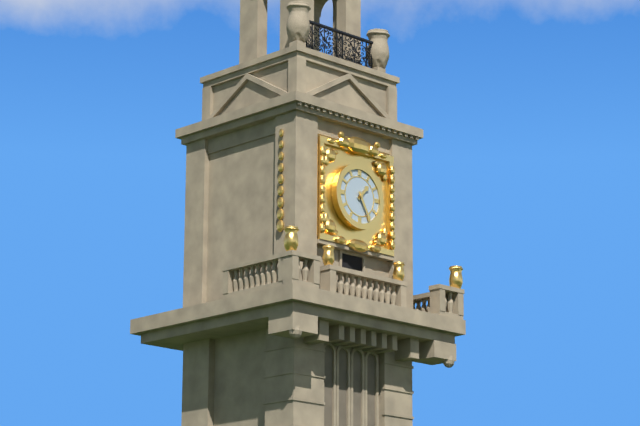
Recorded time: 1:25
